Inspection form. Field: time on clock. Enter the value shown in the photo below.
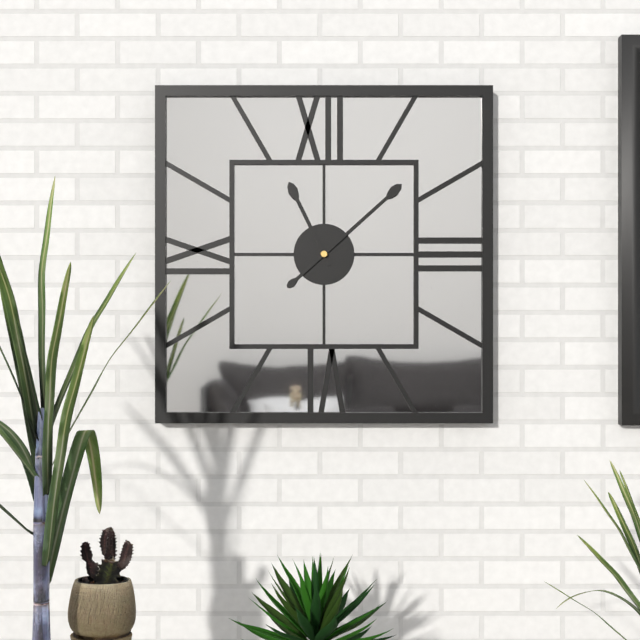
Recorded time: 11:08
